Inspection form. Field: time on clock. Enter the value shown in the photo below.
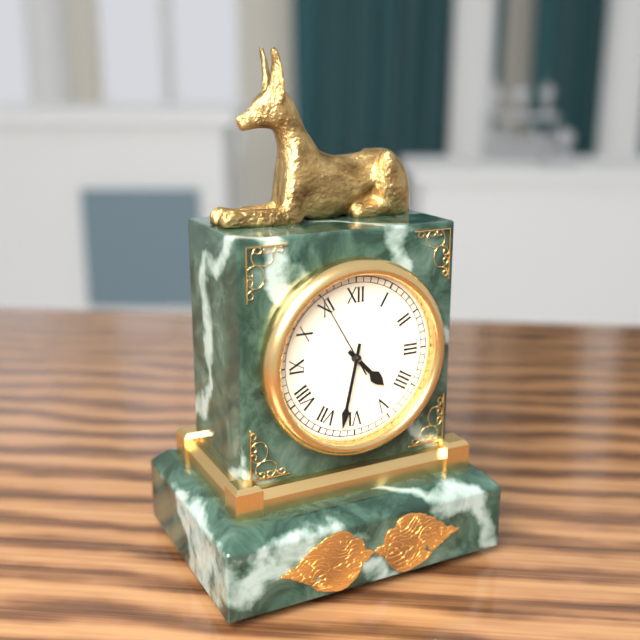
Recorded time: 4:32:55
